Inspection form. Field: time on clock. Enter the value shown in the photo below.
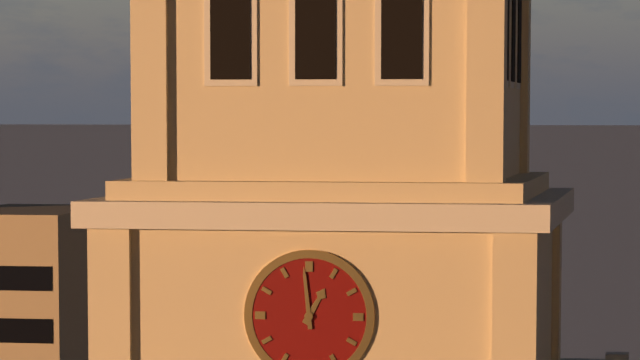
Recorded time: 12:59
